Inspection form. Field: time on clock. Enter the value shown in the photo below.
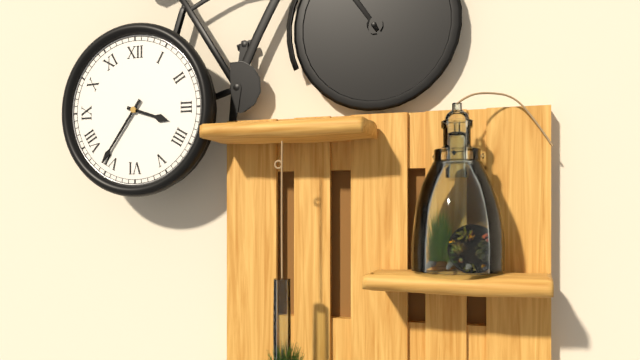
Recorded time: 3:36
